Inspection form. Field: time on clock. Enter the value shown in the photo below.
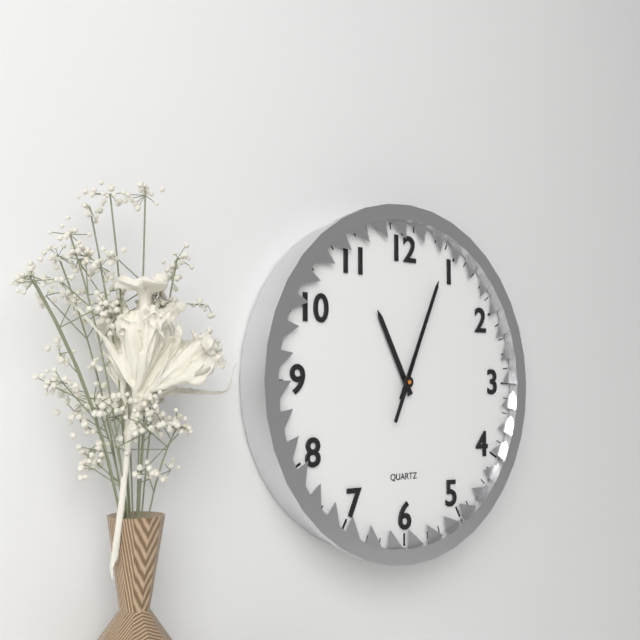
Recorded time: 11:04:04
